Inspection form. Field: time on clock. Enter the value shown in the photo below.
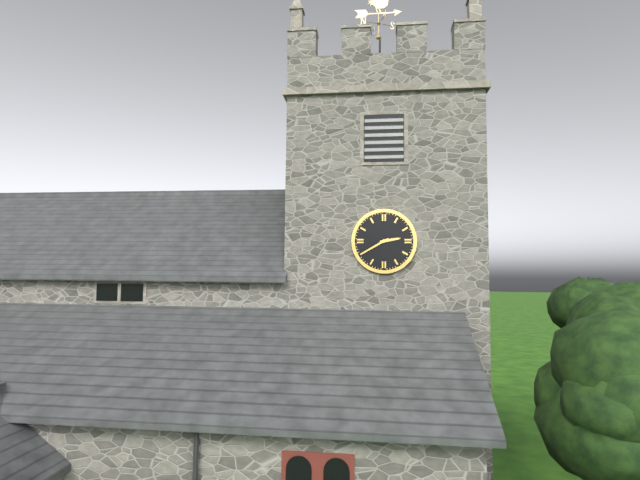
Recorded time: 2:40
